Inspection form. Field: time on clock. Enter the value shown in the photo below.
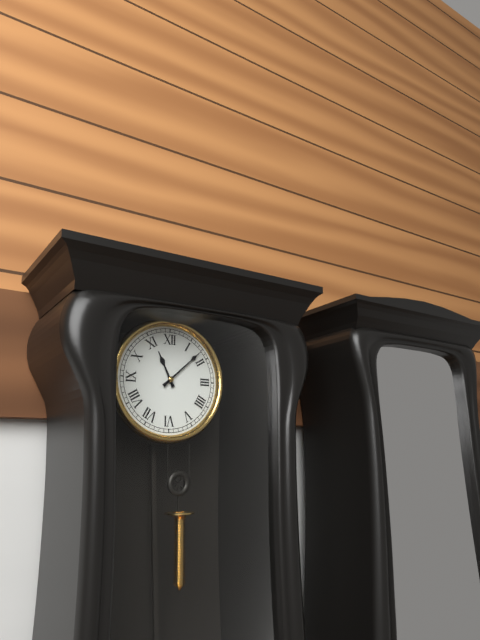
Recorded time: 11:08
